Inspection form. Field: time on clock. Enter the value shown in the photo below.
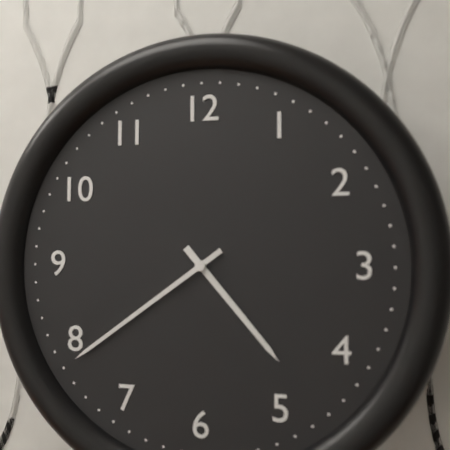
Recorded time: 4:39
